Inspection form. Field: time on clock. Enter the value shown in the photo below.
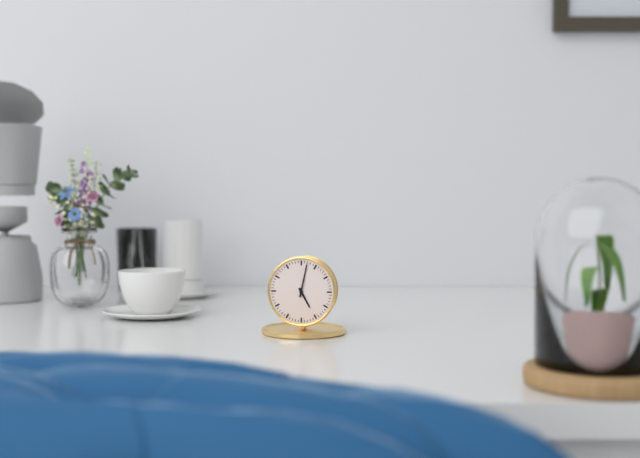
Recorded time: 5:02
